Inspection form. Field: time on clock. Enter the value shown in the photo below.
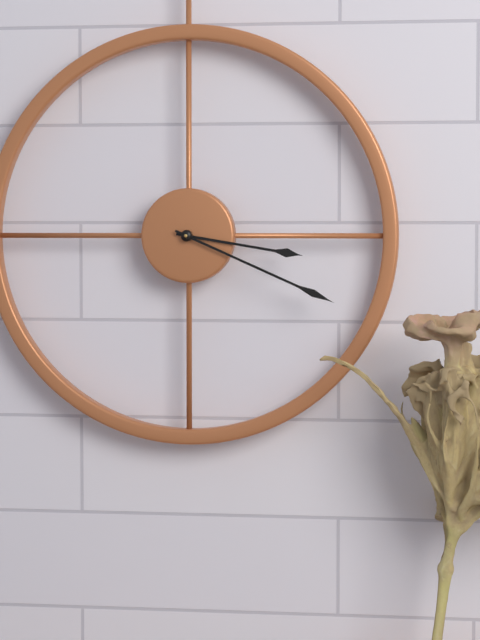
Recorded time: 3:19
